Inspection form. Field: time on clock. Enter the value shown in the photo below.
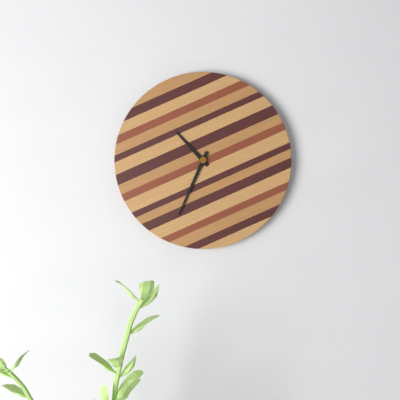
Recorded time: 10:34
